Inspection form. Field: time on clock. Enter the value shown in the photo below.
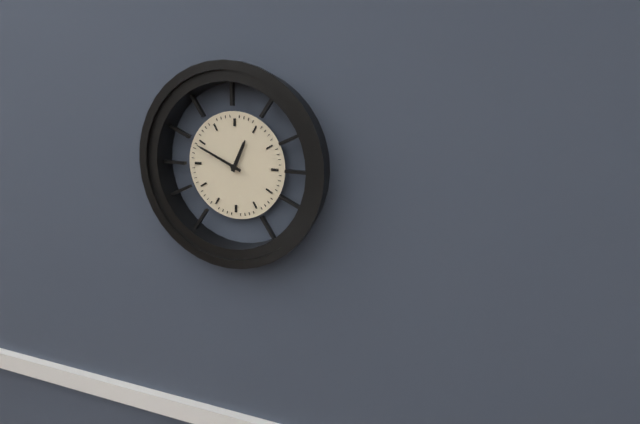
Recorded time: 12:49
